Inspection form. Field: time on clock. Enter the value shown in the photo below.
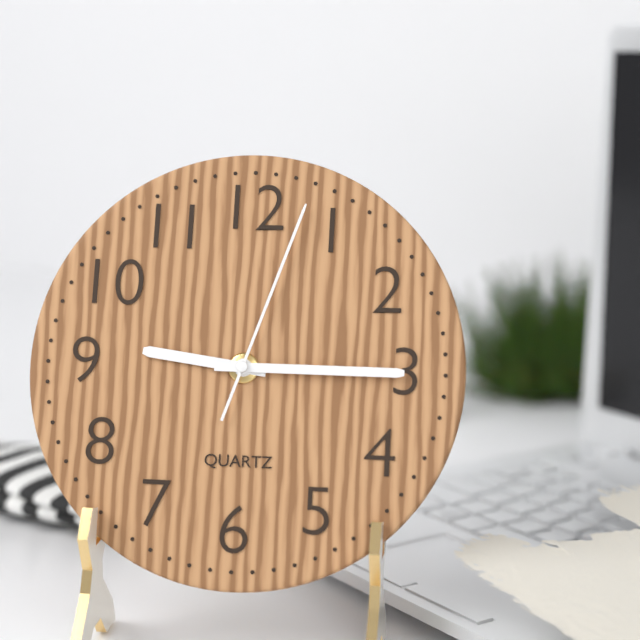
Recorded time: 9:15:03
